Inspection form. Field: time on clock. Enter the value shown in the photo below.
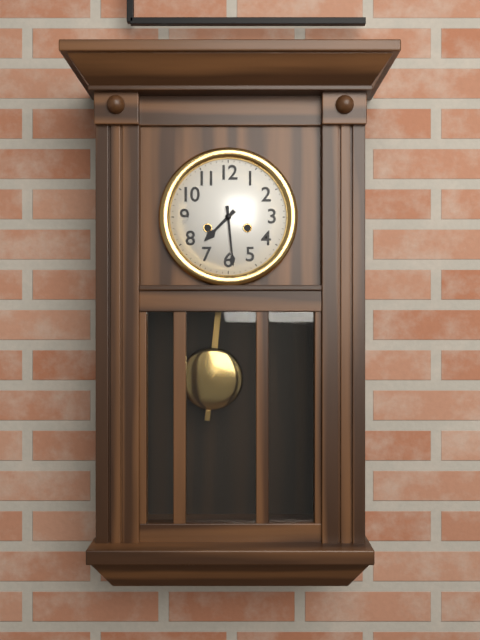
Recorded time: 7:29
